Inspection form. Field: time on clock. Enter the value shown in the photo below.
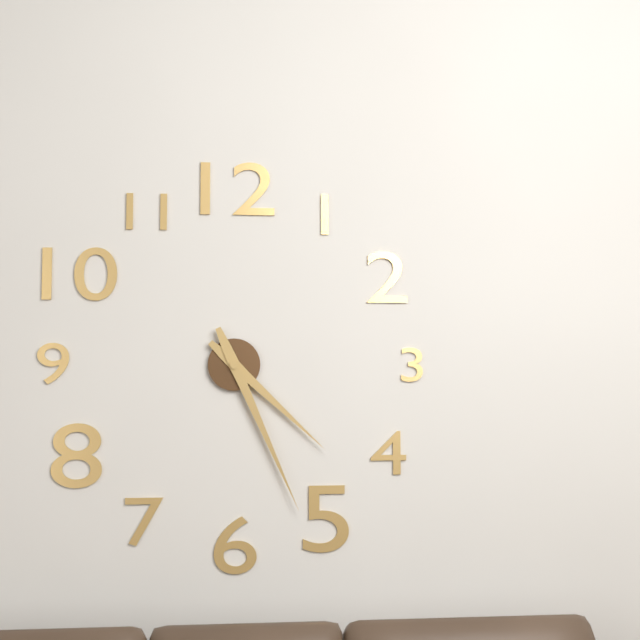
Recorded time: 4:26
